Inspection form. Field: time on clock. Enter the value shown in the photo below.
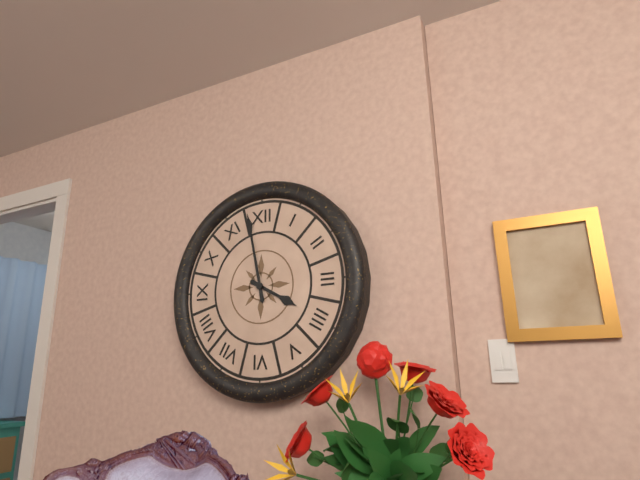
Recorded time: 3:58
